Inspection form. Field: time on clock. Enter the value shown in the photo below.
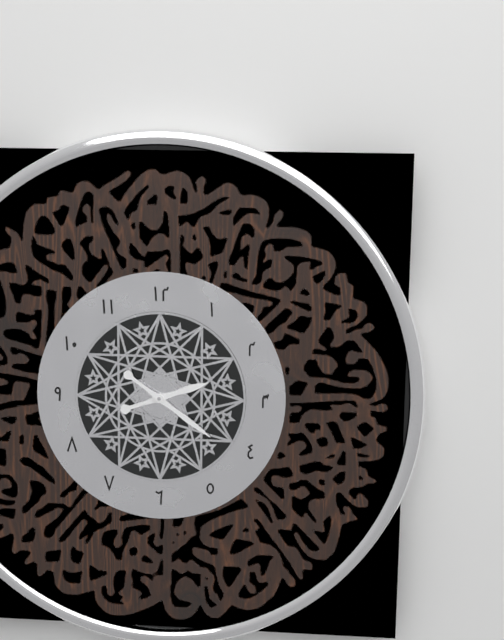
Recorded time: 2:21
